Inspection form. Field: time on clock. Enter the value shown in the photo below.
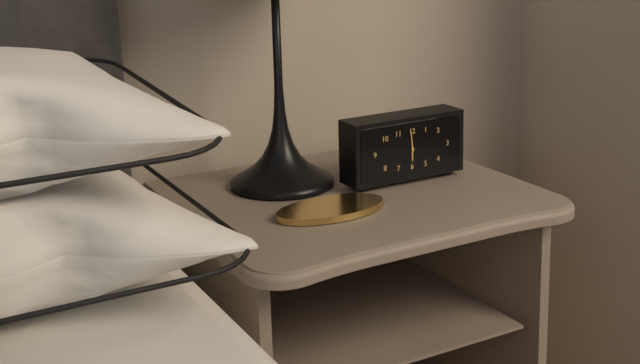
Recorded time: 5:59
